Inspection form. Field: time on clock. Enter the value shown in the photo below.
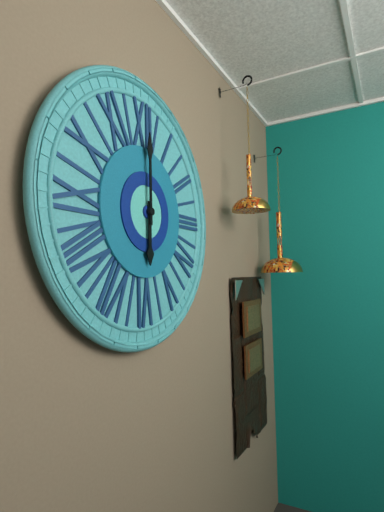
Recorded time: 6:00
